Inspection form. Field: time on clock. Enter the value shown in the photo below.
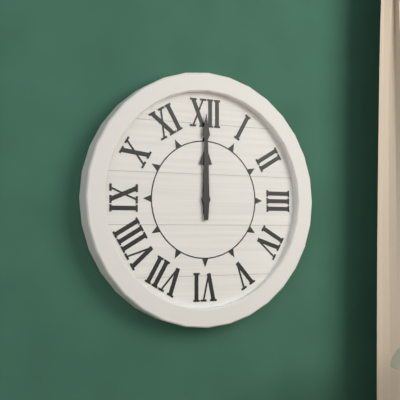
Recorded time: 12:00
